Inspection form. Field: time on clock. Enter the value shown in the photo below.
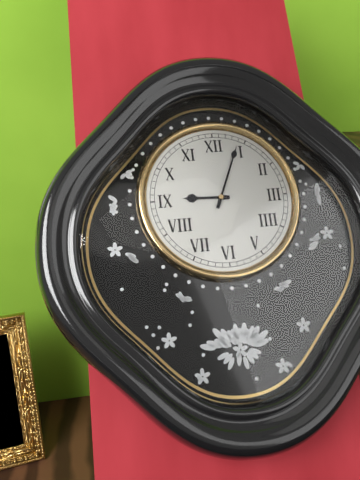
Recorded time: 9:04
